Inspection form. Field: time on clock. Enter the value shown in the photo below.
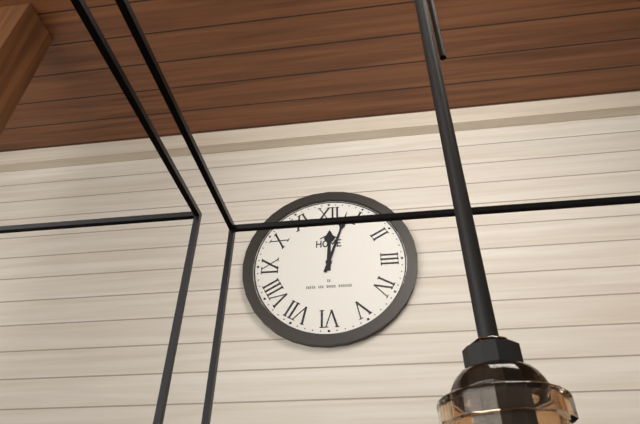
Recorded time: 12:03
